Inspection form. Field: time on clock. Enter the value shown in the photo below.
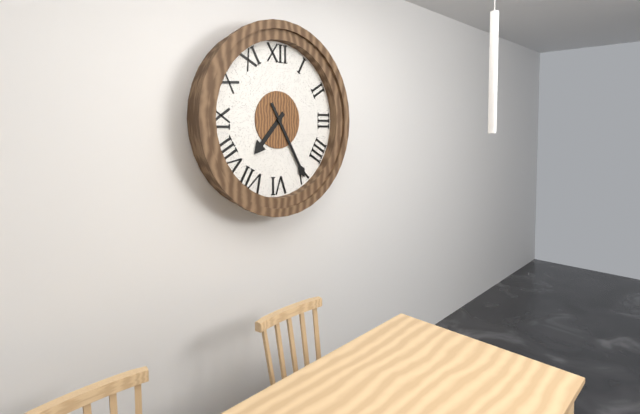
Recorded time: 7:25
